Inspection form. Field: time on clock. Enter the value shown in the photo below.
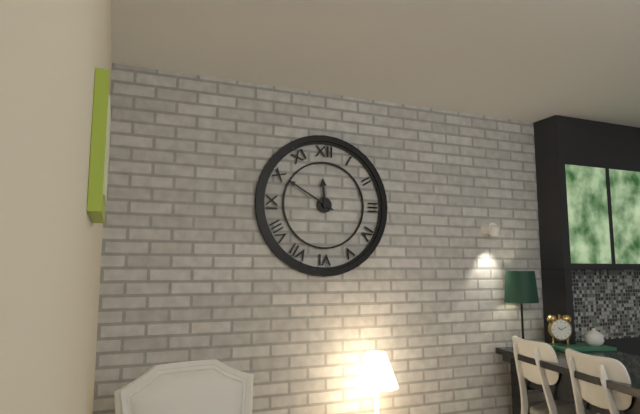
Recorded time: 11:50
